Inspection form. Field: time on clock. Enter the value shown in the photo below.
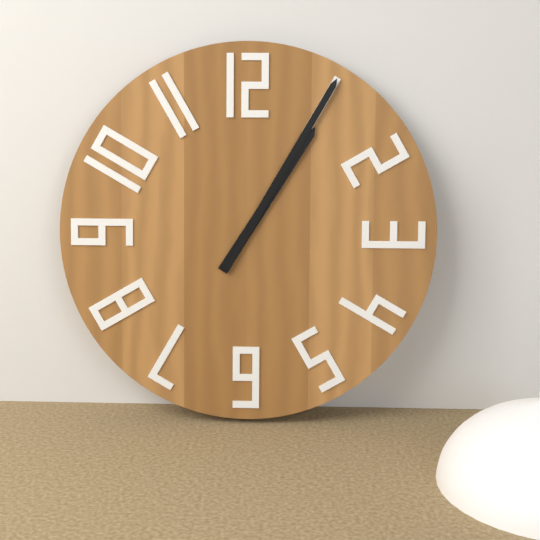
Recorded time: 1:05
